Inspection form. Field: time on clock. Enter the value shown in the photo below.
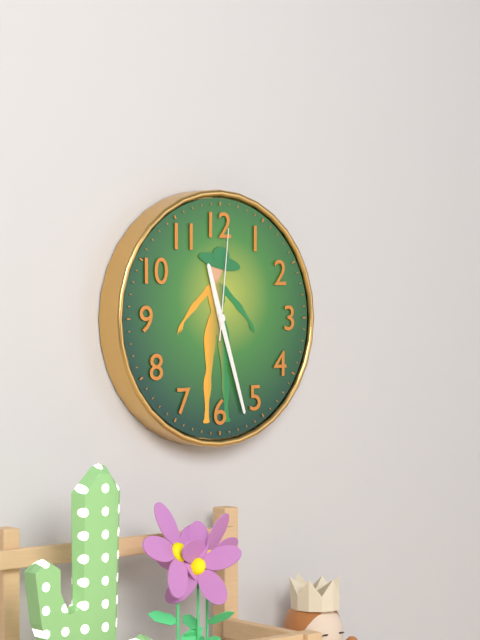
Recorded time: 11:27:01
